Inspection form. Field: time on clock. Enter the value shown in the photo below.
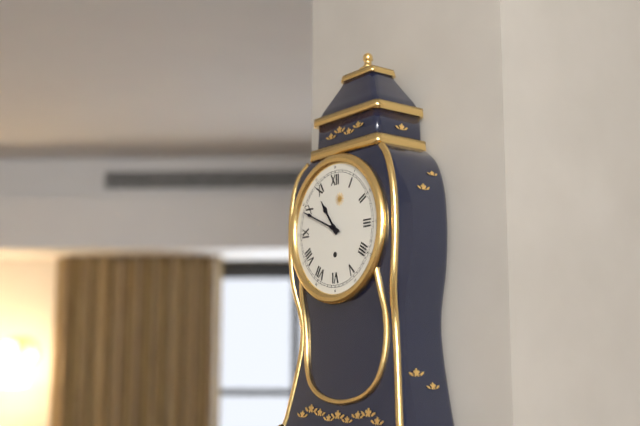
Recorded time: 10:49
